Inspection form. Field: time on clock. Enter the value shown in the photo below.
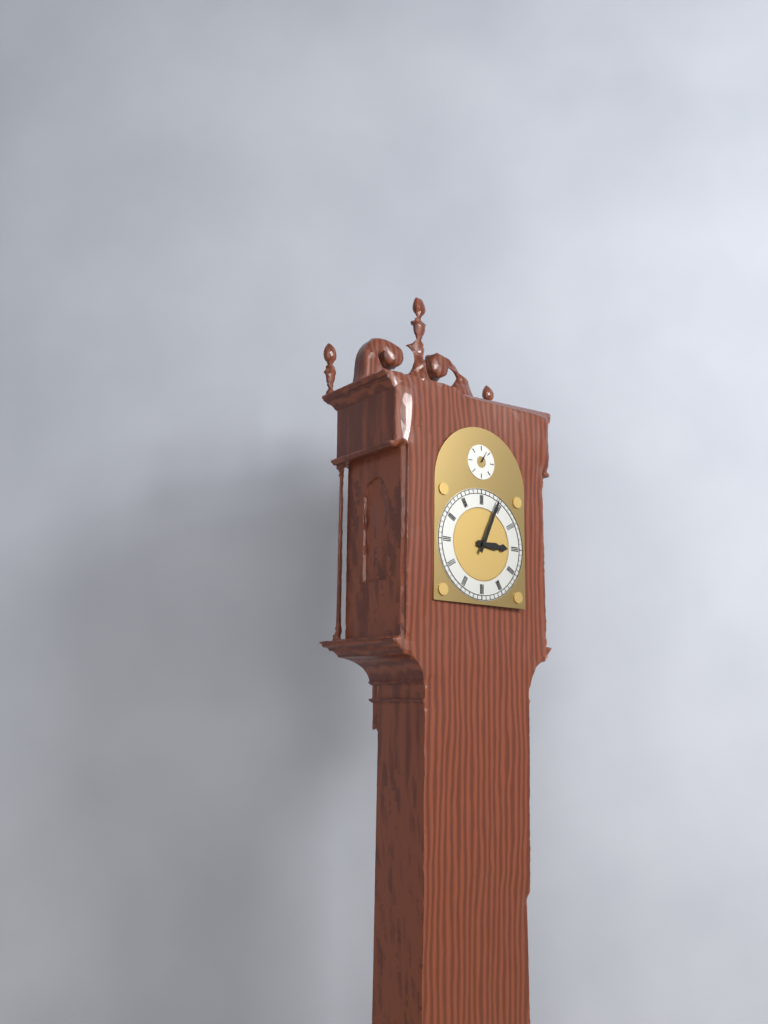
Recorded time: 3:04
